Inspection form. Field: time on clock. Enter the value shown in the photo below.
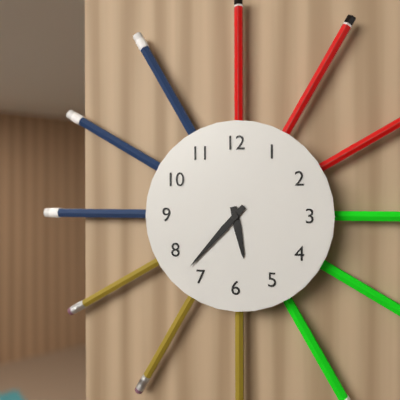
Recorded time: 5:37
